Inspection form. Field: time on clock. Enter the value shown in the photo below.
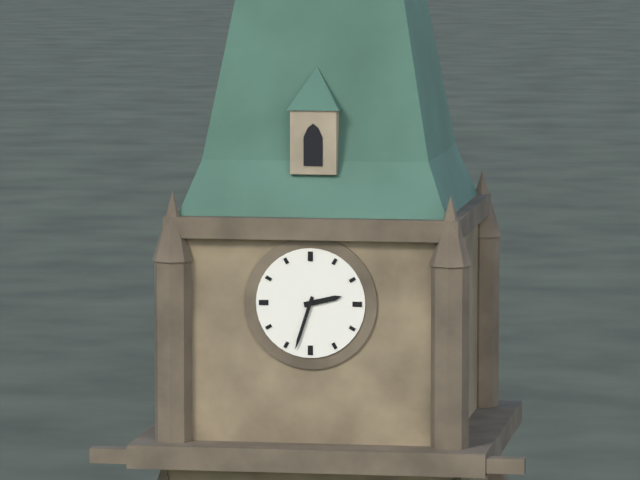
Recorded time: 2:33
